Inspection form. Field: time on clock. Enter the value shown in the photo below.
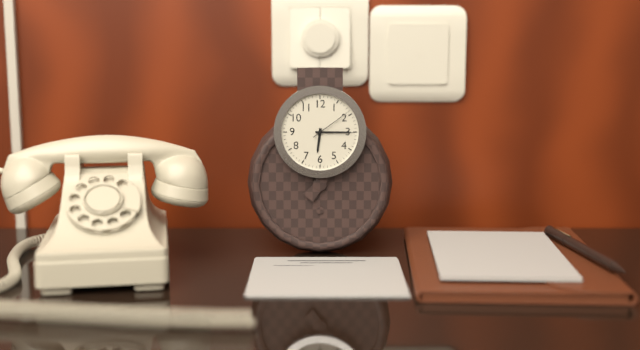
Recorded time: 6:15
